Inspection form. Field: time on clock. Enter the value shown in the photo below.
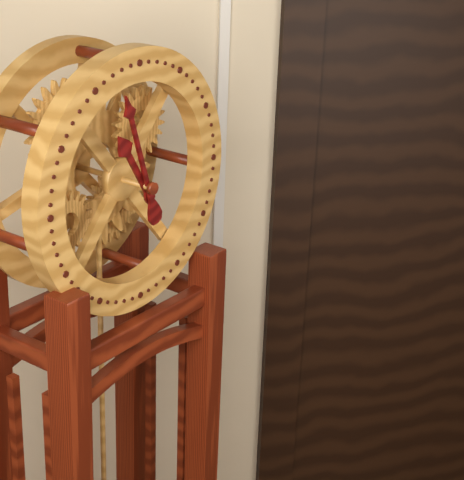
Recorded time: 10:57
